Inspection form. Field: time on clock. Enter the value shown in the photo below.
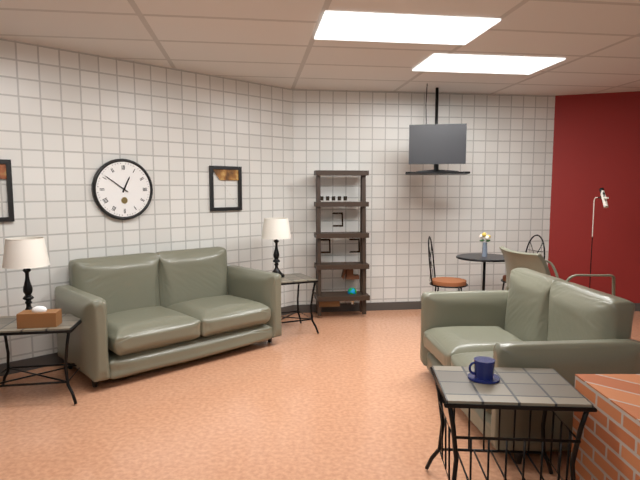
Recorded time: 12:51
